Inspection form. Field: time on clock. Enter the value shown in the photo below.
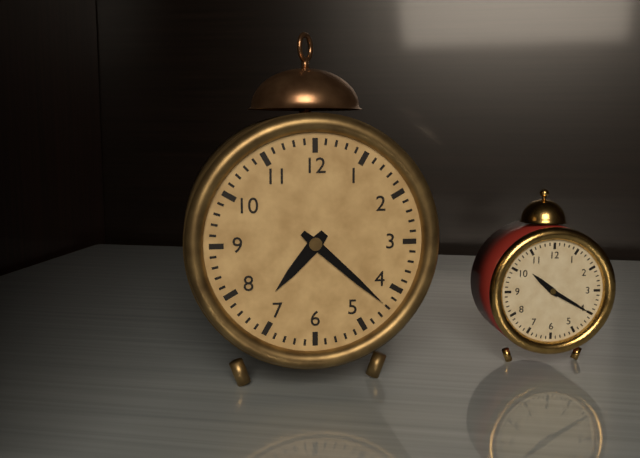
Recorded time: 7:22
